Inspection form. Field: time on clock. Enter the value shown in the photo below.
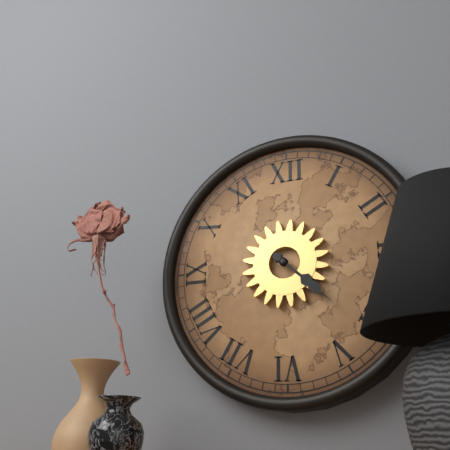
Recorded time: 4:22
